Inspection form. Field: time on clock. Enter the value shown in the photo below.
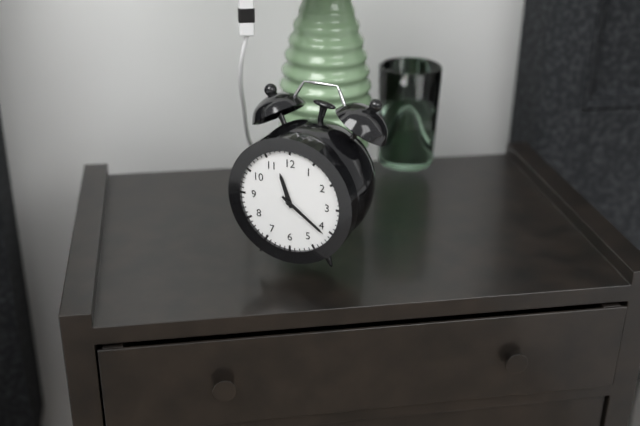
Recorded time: 11:21
